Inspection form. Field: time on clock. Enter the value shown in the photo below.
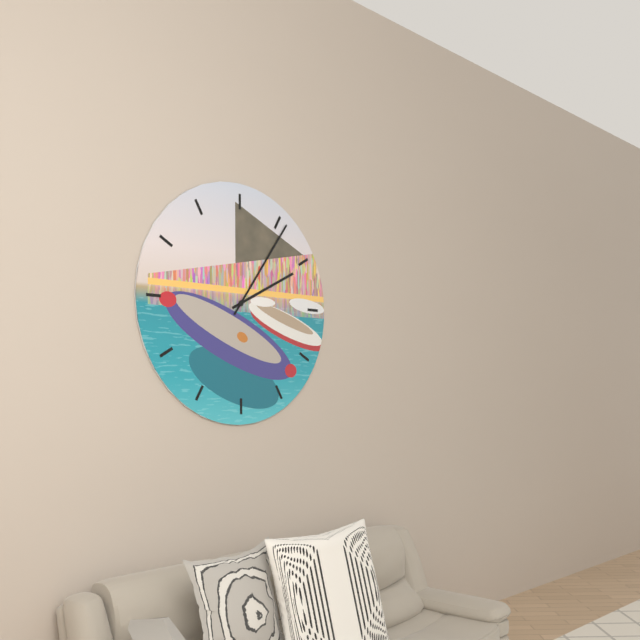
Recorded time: 2:06
